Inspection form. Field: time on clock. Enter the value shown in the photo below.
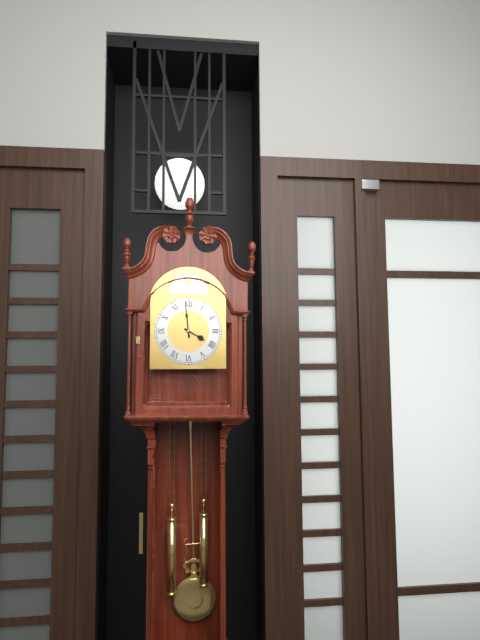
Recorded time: 3:59
